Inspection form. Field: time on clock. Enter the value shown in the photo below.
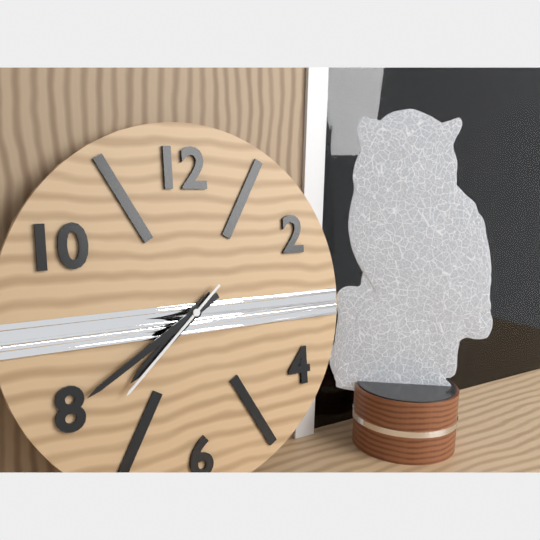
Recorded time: 7:40:38
